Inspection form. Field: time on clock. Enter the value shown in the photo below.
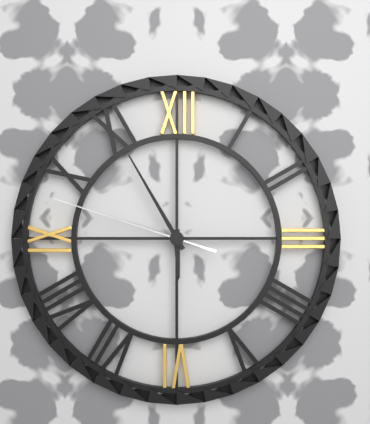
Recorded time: 5:55:48
